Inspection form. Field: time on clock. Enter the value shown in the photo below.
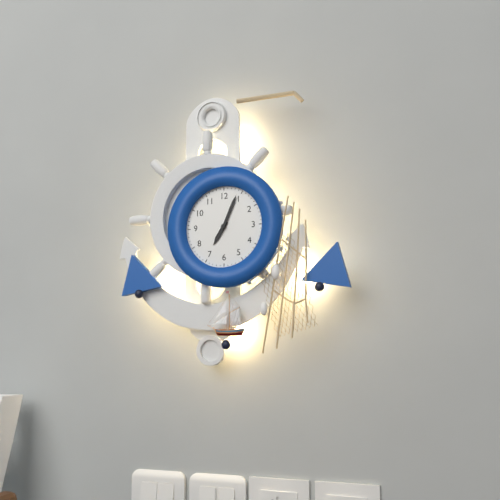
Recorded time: 7:04
